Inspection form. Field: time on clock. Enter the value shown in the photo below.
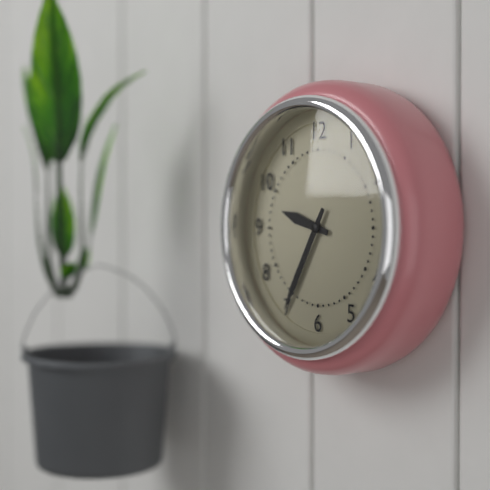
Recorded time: 9:35
